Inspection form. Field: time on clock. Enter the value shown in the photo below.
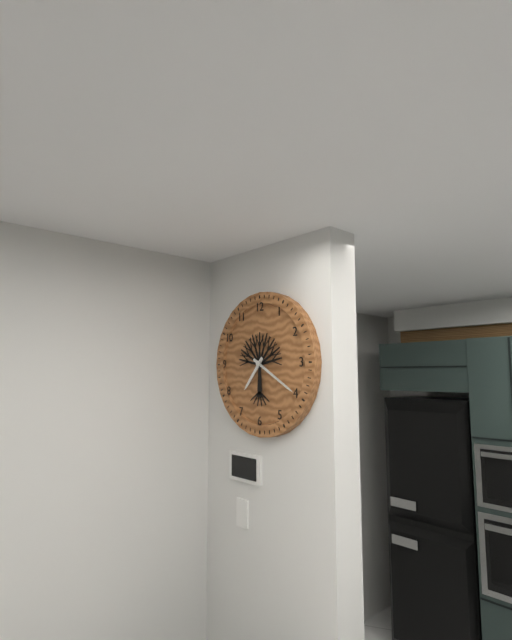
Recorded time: 7:20
